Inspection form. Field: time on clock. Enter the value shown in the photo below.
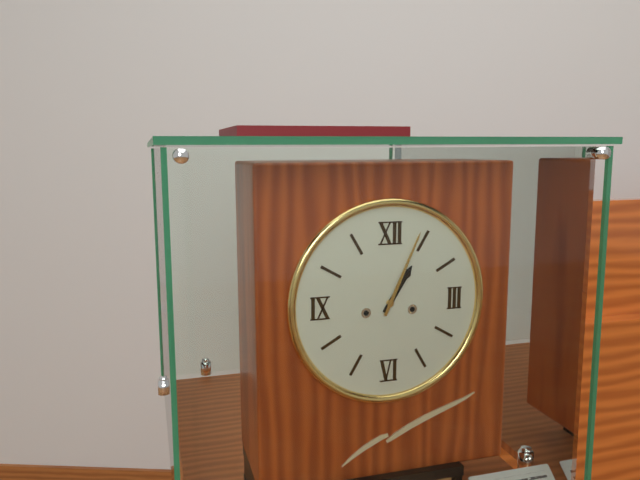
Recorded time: 1:04
